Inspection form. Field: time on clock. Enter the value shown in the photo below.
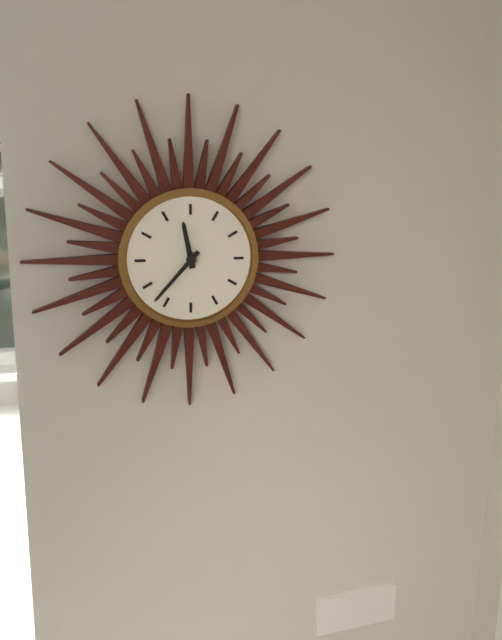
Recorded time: 11:37
